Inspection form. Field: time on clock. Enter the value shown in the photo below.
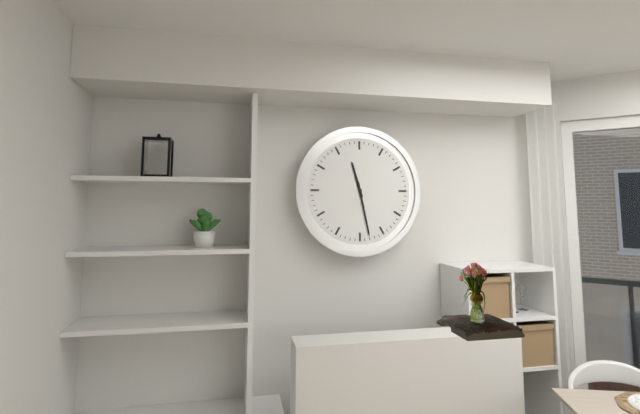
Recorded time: 11:28
